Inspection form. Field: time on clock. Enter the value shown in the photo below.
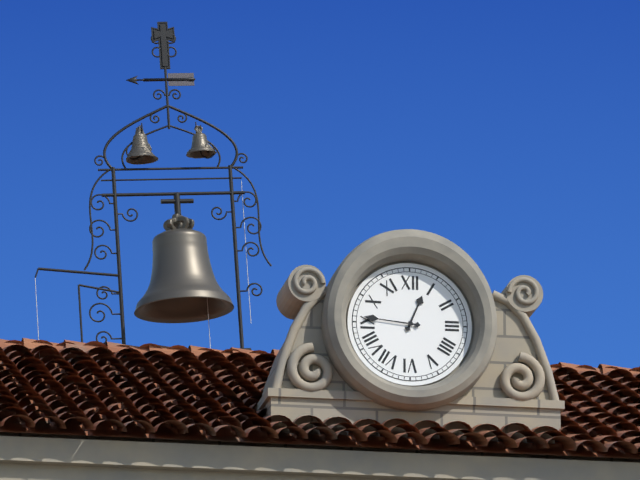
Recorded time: 12:46
